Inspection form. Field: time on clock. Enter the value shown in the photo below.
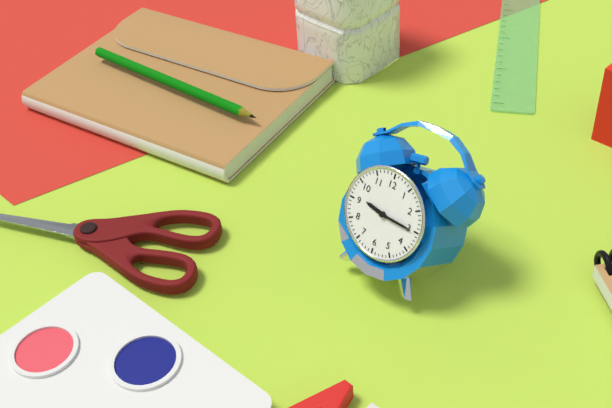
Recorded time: 9:15
